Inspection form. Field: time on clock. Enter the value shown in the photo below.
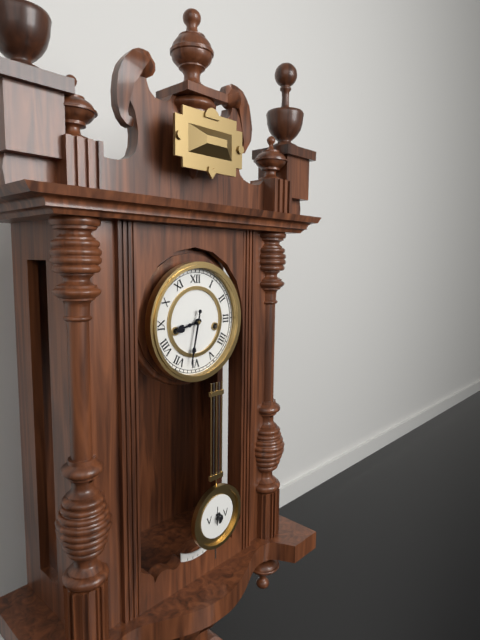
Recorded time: 8:32
